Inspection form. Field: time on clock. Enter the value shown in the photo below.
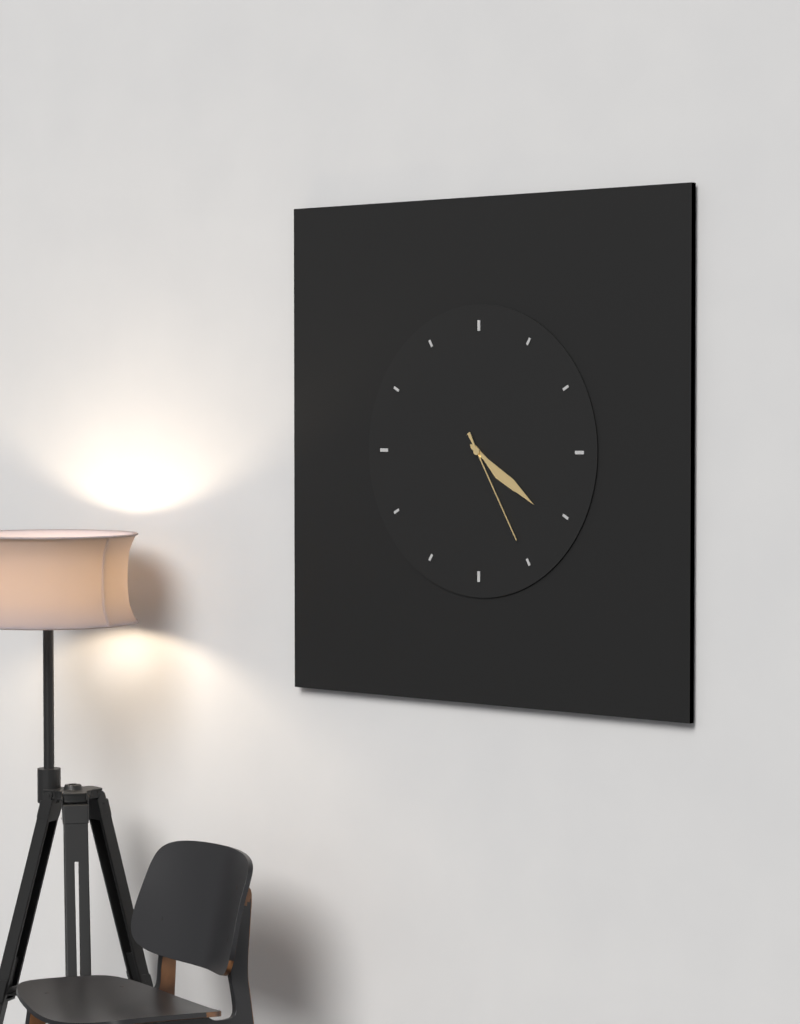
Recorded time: 4:21:25
